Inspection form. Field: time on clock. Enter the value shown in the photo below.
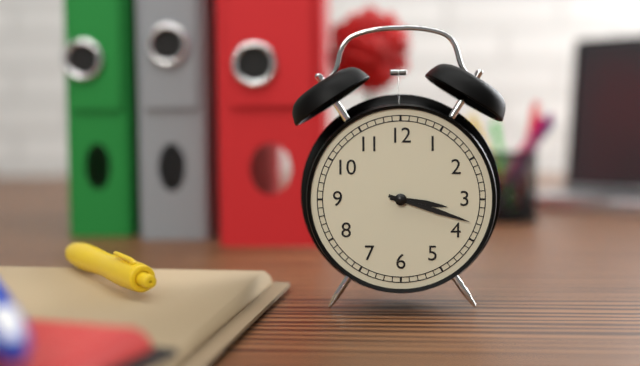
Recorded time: 3:18
